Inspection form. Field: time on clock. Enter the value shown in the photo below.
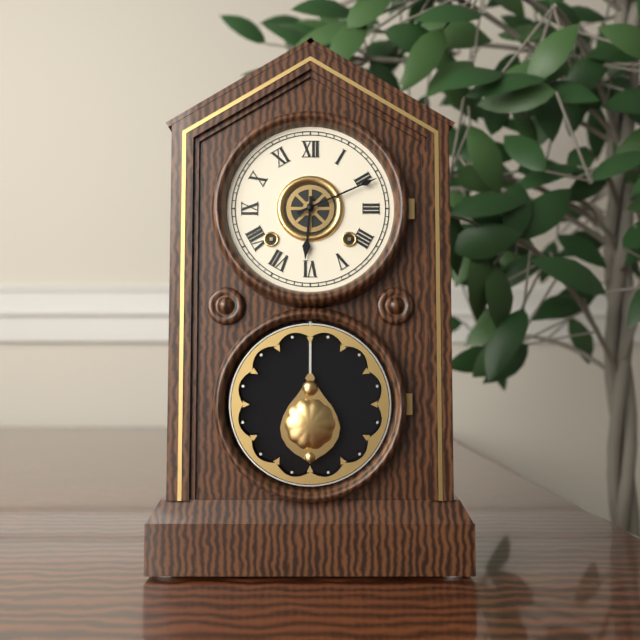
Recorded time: 6:11
